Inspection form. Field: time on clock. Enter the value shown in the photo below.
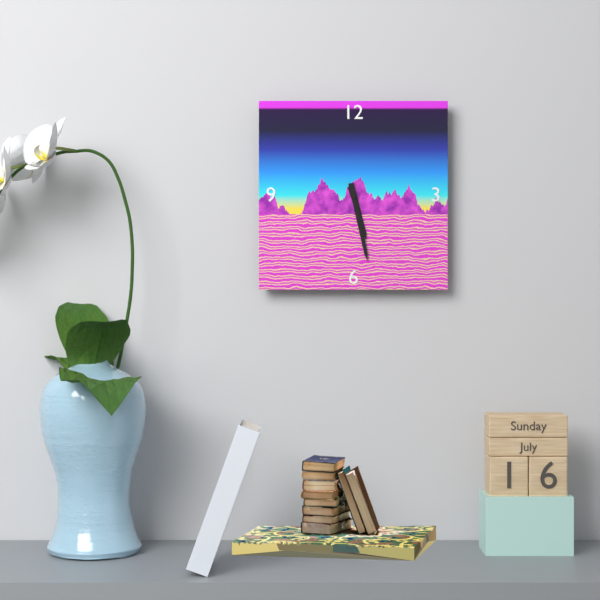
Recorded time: 5:28
